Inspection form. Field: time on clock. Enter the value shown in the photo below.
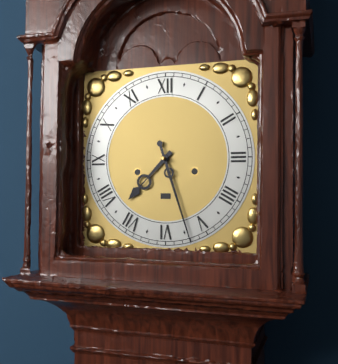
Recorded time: 7:27
